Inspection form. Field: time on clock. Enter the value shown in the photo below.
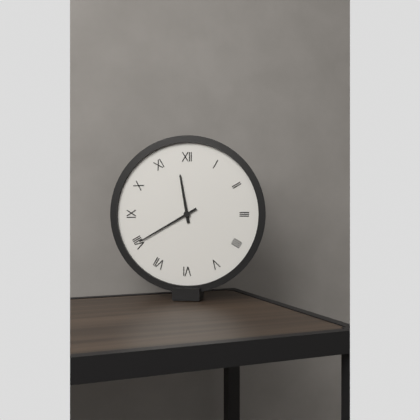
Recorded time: 11:40
